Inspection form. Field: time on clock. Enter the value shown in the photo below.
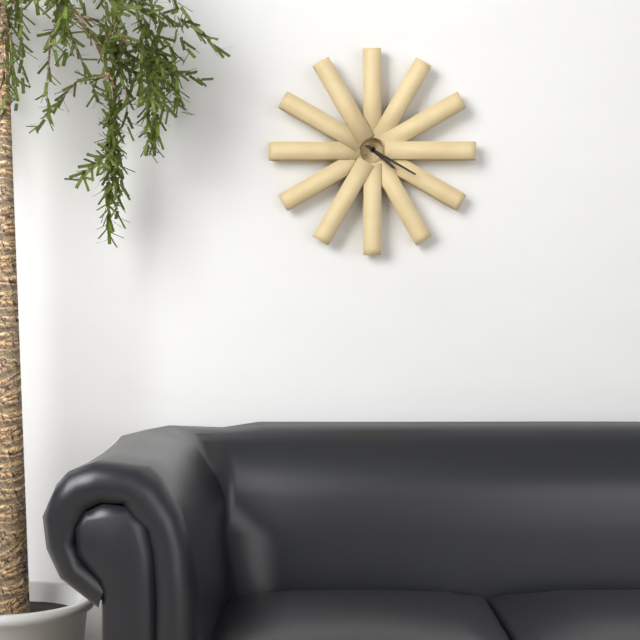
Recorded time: 4:20
